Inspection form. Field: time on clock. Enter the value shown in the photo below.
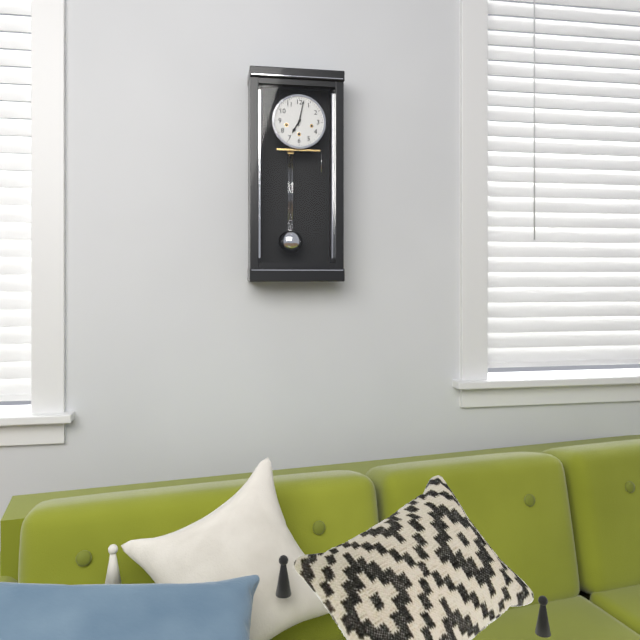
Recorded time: 7:02
